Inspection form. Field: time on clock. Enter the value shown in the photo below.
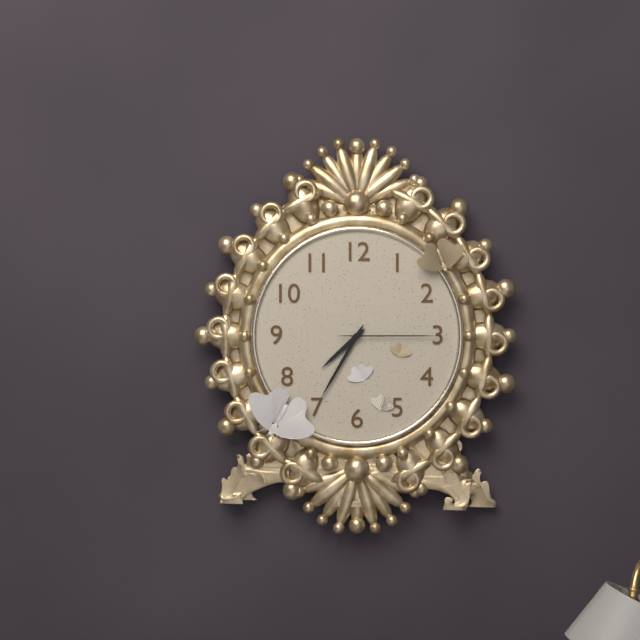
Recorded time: 7:35:15
